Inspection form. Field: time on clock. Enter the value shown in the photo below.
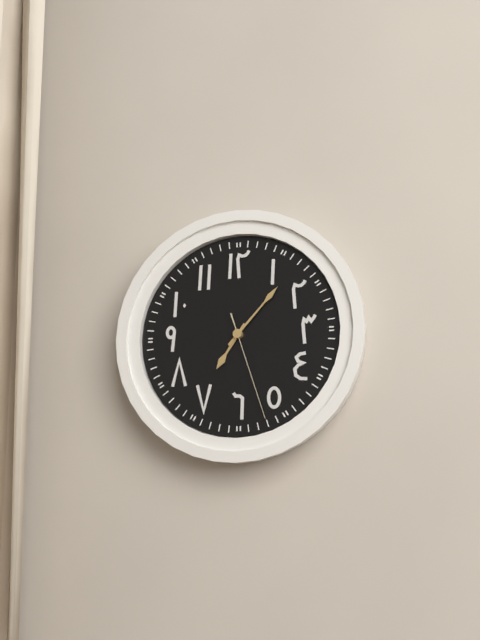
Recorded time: 7:07:27
